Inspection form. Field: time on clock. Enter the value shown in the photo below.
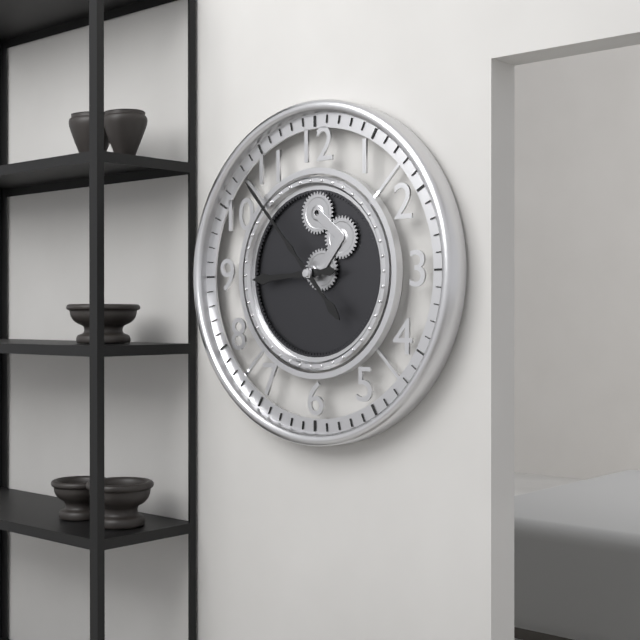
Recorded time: 8:53
